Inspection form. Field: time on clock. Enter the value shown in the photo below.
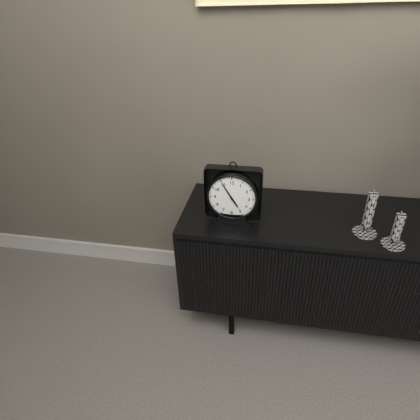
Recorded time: 4:55
